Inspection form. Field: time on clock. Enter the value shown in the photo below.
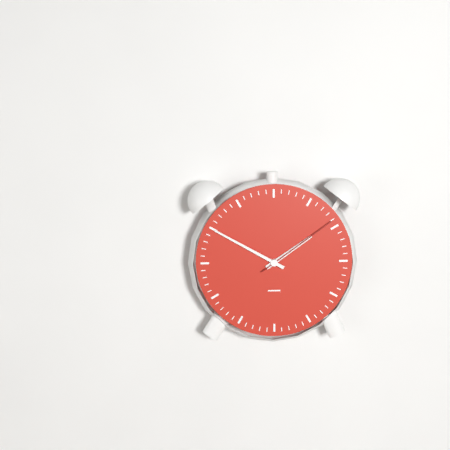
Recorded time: 1:50:09
